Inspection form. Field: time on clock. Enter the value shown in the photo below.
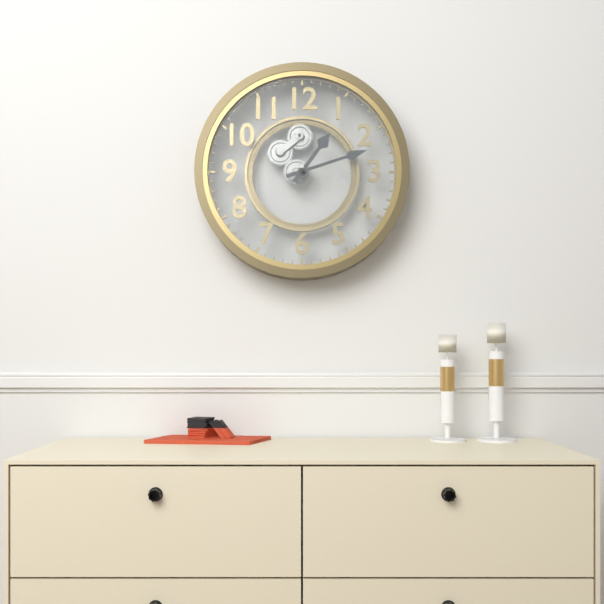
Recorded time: 1:12
